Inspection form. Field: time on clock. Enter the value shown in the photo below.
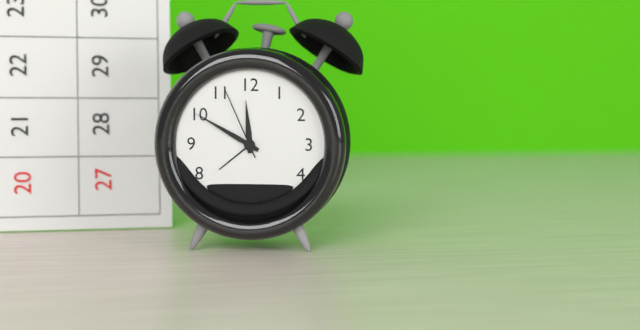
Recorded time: 11:50:56
